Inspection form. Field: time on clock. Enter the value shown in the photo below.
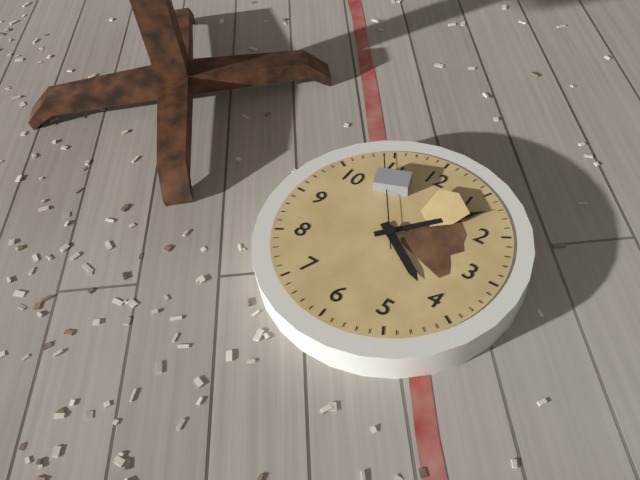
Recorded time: 4:07:54
